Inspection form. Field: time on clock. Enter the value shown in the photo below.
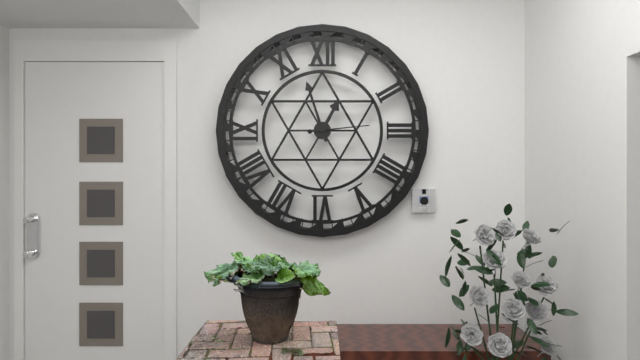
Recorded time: 12:57:14
